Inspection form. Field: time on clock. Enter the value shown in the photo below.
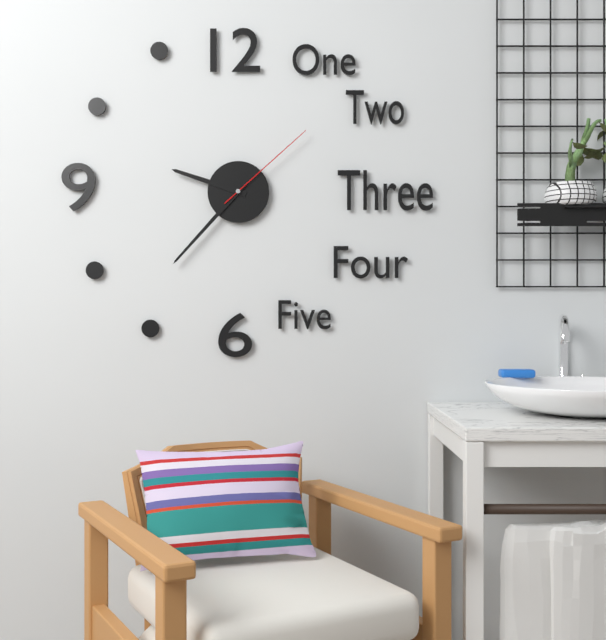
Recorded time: 9:37:08
